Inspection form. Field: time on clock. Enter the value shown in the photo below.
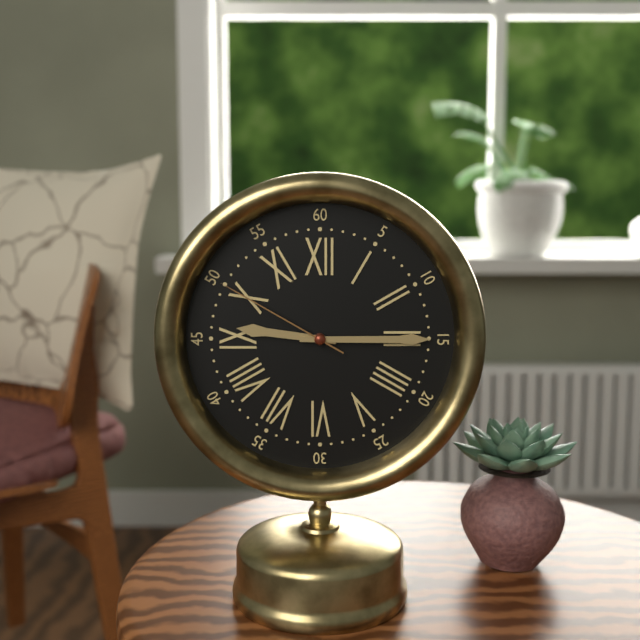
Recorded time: 9:15:50
